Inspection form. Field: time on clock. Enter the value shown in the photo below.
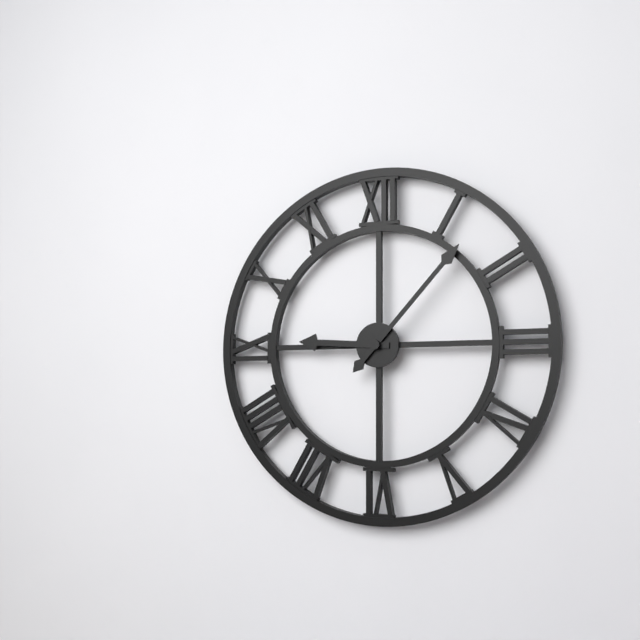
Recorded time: 9:07
